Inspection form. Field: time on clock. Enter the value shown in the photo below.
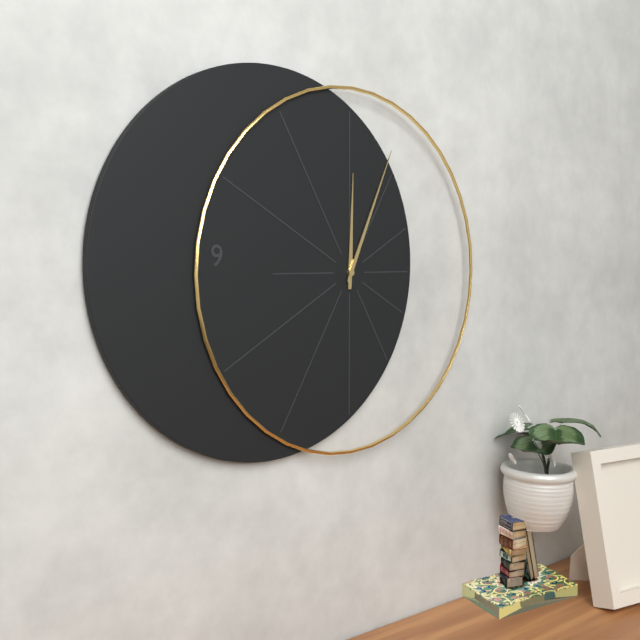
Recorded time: 12:04
